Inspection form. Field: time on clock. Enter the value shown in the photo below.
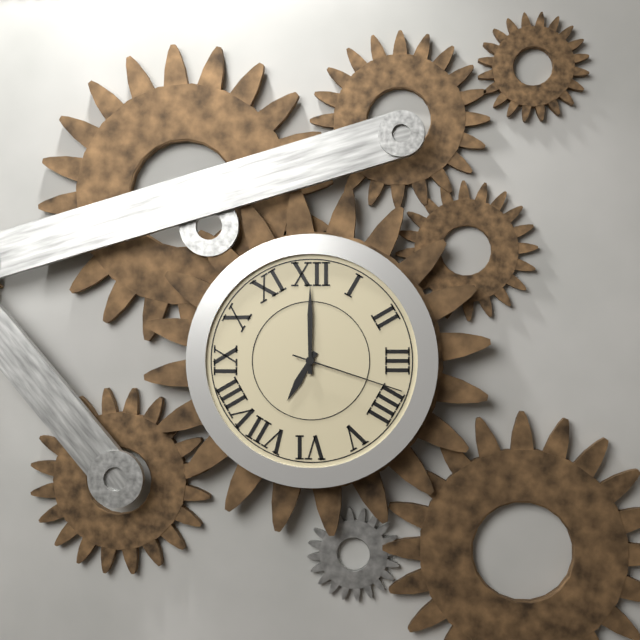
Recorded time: 7:00:18
